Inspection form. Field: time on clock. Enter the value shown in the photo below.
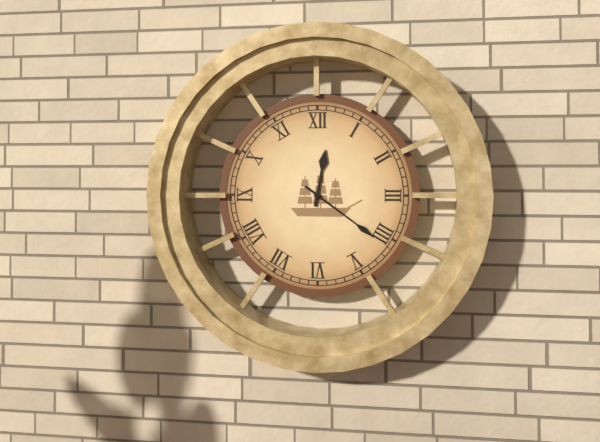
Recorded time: 12:21
